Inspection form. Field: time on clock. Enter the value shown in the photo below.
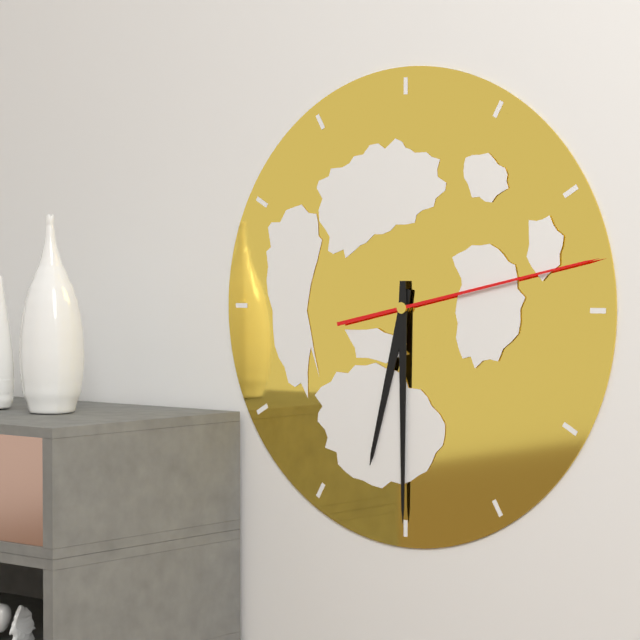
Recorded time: 6:30:13
